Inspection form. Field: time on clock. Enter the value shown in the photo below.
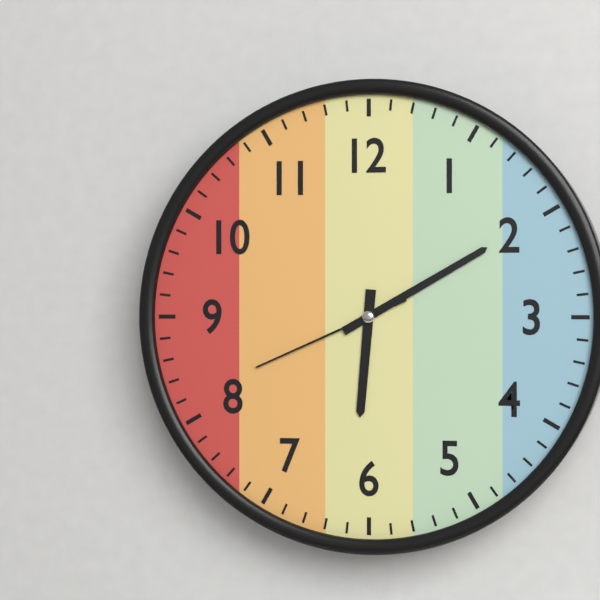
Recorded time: 6:10:41
